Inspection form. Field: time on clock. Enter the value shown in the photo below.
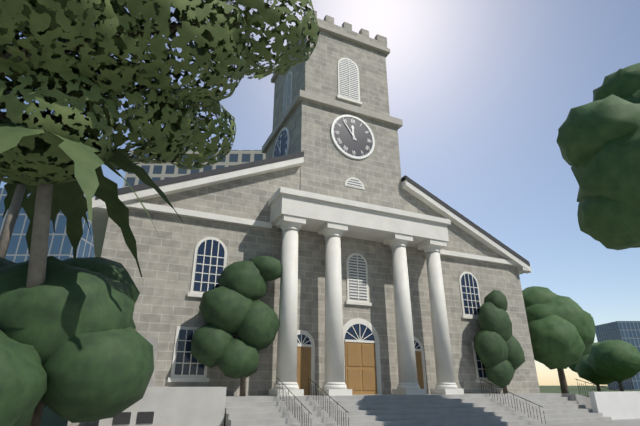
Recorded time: 11:54
